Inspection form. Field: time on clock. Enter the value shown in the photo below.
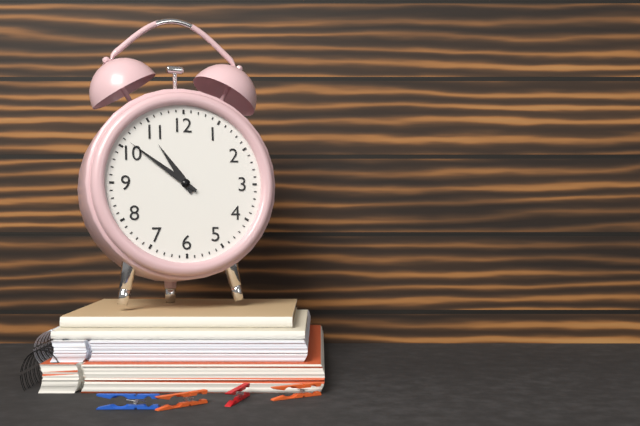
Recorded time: 10:51
